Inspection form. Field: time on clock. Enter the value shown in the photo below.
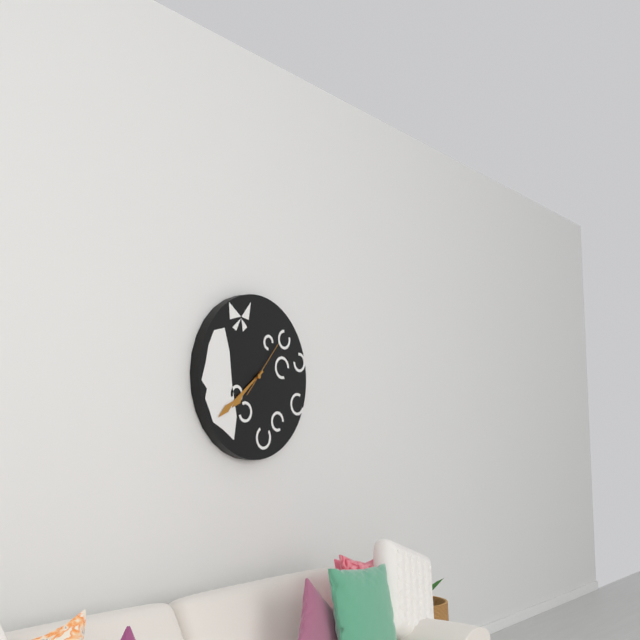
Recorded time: 7:39
